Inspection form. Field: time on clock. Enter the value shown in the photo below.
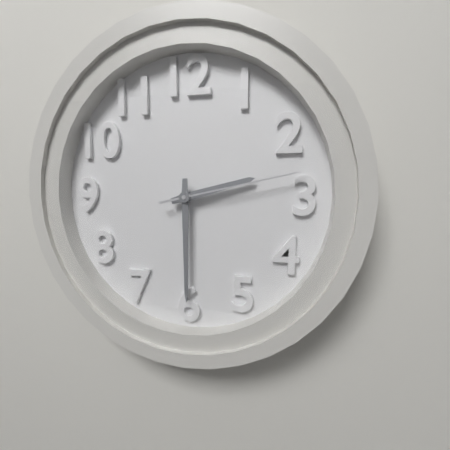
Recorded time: 2:30:13
